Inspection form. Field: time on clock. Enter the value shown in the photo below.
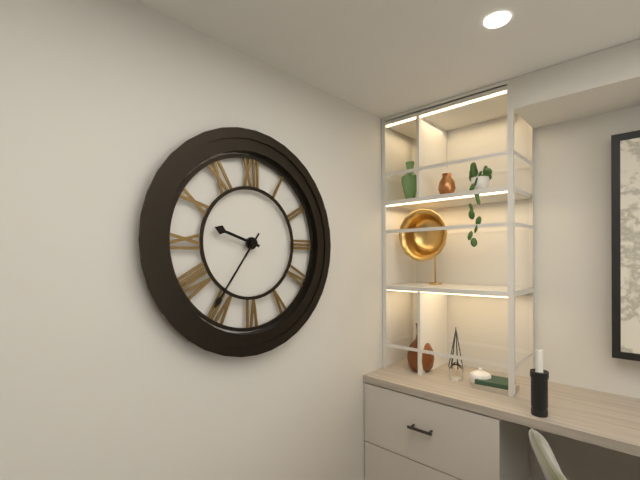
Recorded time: 9:36
